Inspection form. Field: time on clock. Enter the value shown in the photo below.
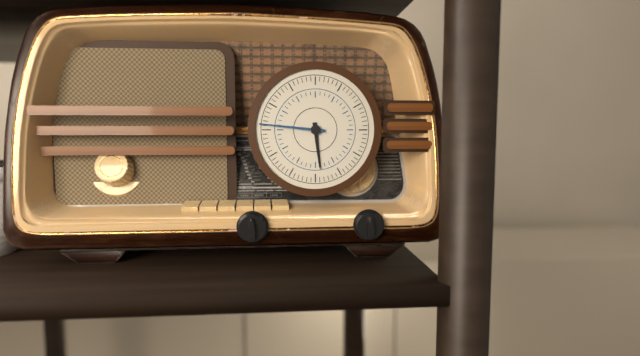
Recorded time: 5:46
